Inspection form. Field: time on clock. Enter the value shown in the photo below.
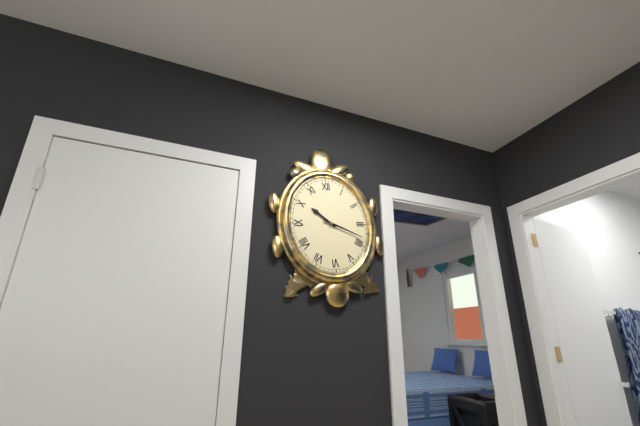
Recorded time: 10:19
